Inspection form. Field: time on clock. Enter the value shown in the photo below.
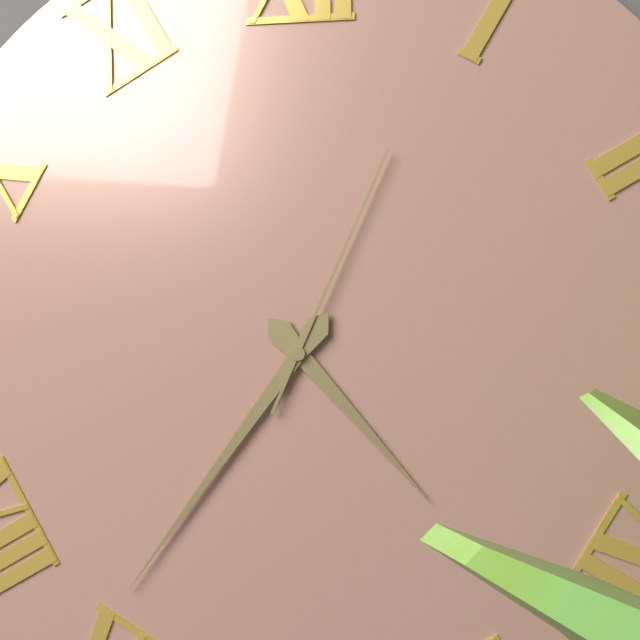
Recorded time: 4:36:04
